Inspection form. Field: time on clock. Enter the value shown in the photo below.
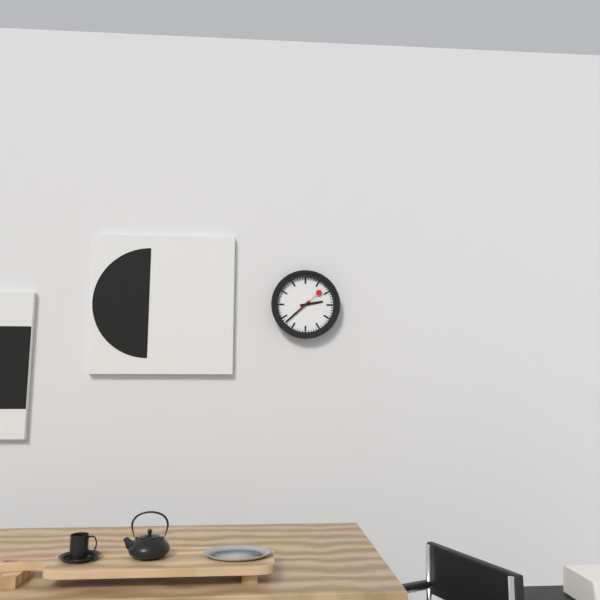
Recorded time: 2:38
